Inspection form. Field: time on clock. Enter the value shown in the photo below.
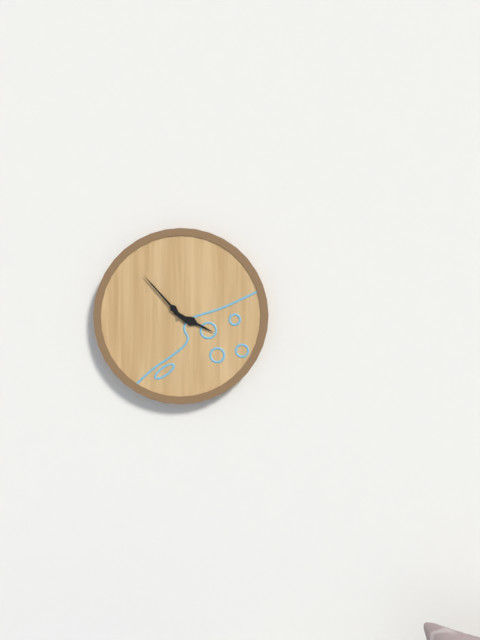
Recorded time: 3:53
